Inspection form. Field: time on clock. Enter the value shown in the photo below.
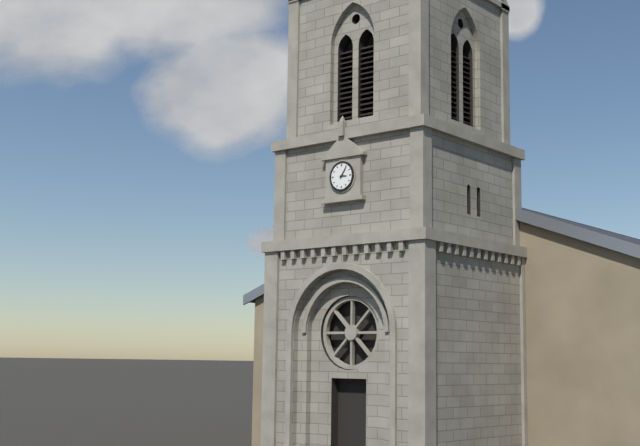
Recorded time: 3:06
